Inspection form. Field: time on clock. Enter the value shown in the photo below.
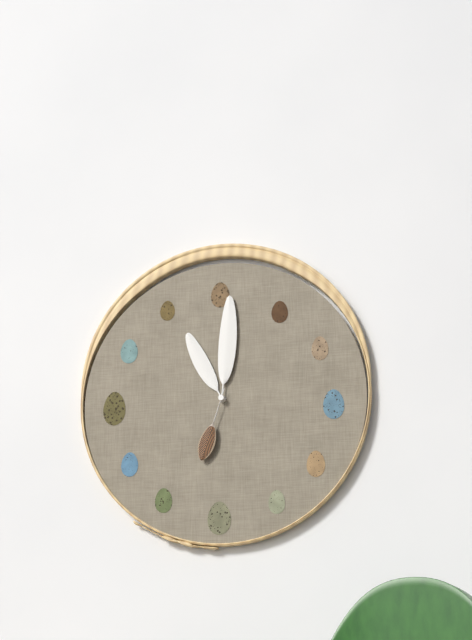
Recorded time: 11:01:33
